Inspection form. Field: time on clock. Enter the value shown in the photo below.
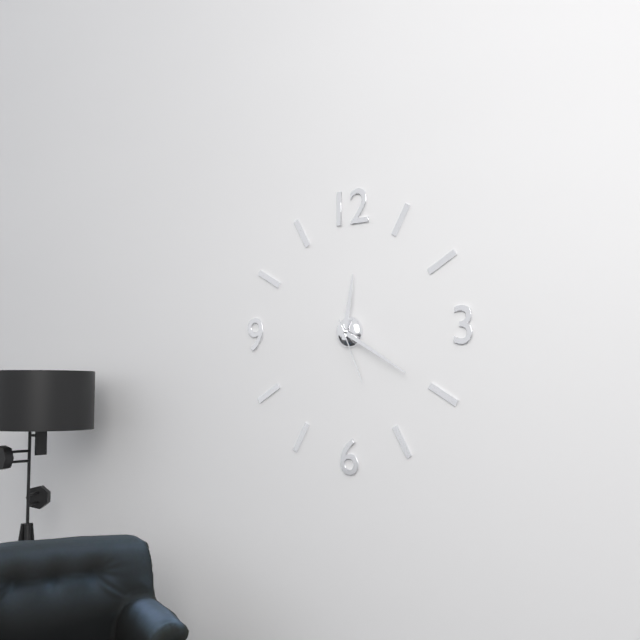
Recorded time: 12:20:26
